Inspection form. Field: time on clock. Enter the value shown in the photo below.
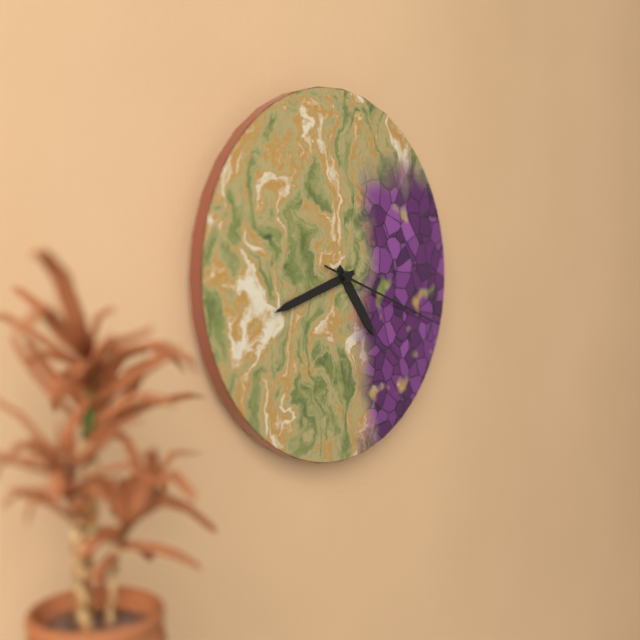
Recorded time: 4:42:18
